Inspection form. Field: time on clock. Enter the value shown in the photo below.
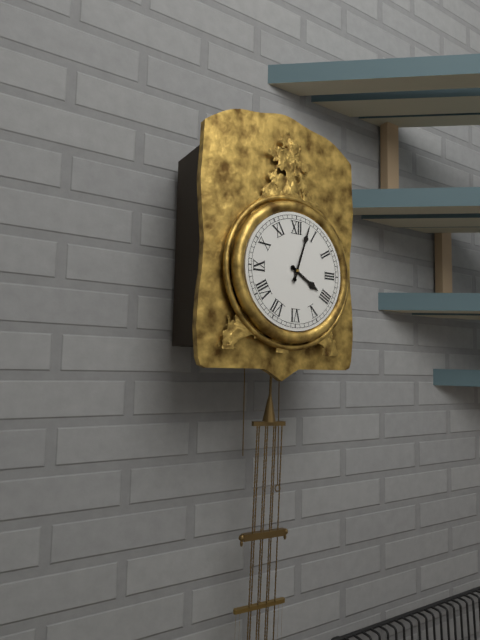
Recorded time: 4:03
